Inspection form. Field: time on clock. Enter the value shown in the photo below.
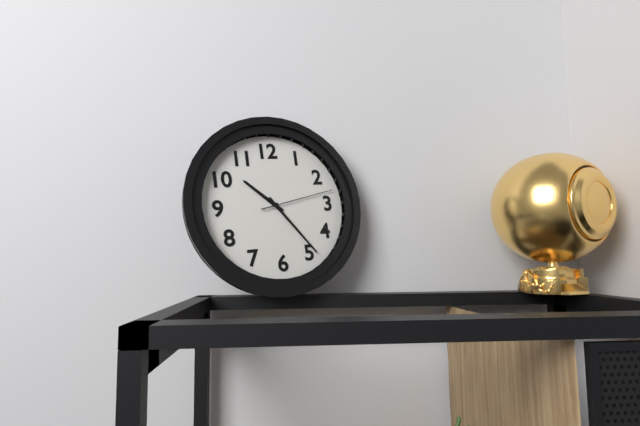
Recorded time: 10:24:13
